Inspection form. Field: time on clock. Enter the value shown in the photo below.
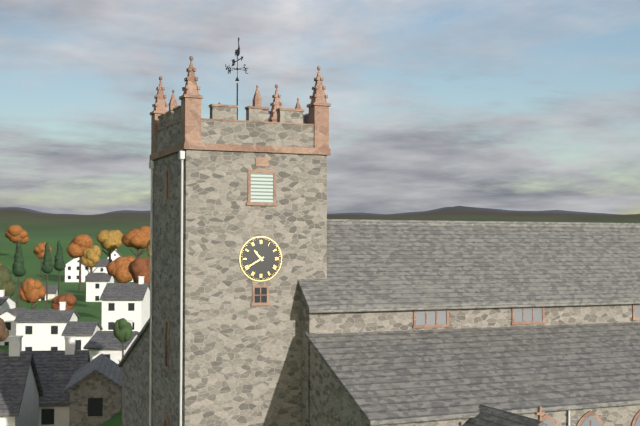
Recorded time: 10:40
